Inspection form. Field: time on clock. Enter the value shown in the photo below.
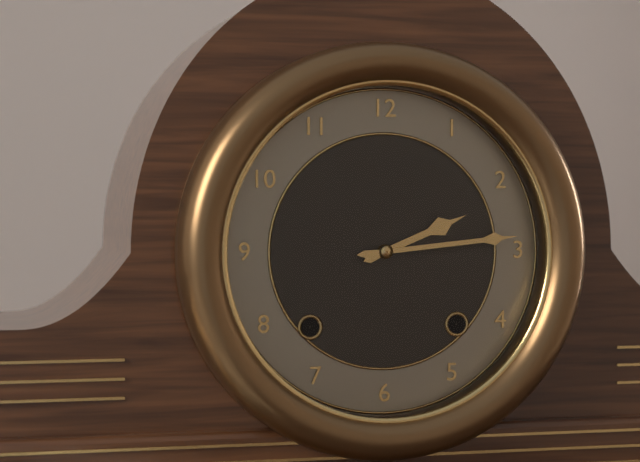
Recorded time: 2:14
